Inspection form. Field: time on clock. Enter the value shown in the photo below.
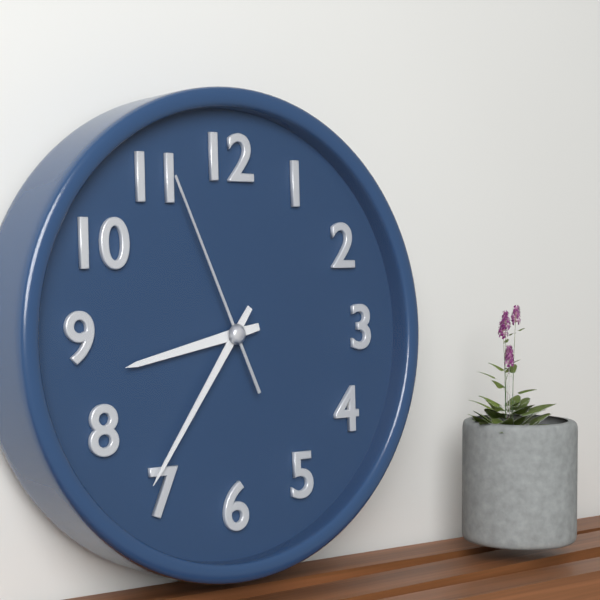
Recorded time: 8:36:56
